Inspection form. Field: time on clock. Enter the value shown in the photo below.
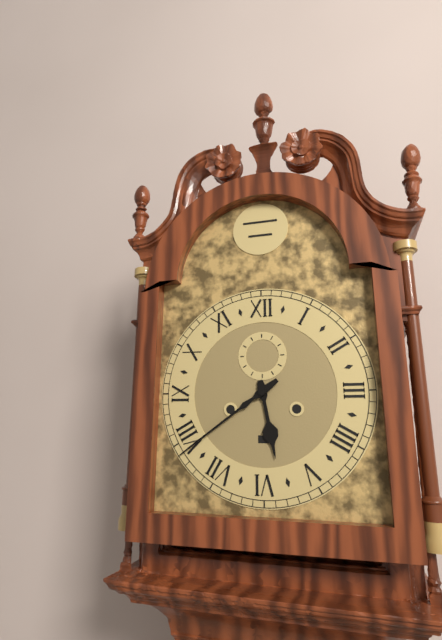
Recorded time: 5:39
